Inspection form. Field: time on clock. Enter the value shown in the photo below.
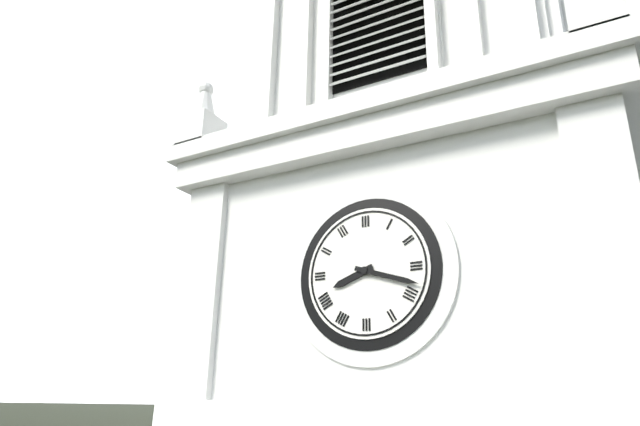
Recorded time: 8:18
